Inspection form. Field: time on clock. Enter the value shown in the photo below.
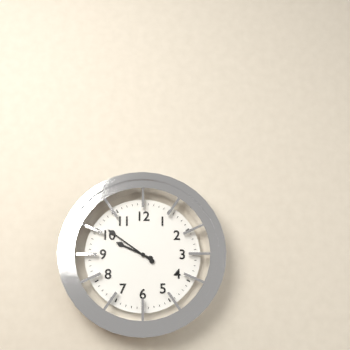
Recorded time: 9:51
